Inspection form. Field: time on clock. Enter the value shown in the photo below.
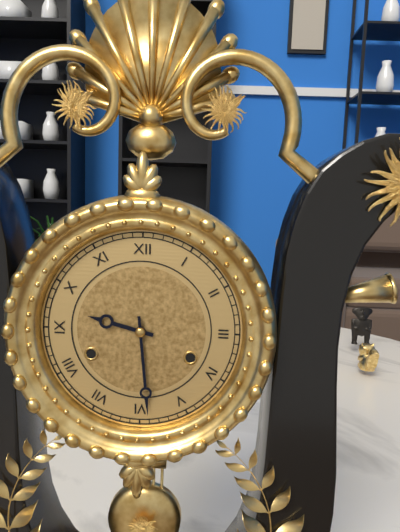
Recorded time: 9:29
